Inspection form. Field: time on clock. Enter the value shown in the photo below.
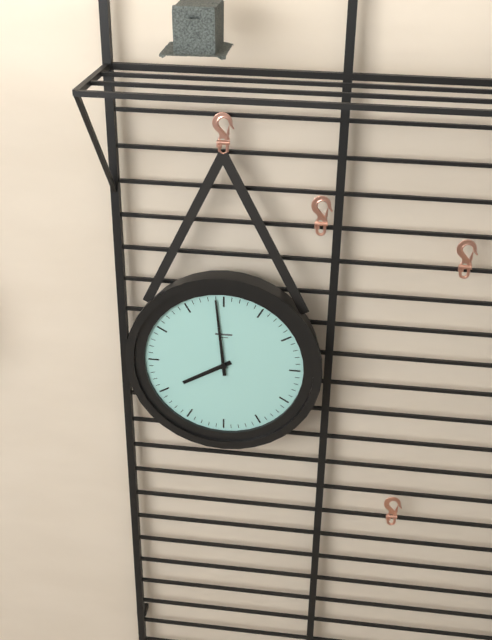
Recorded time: 7:59
